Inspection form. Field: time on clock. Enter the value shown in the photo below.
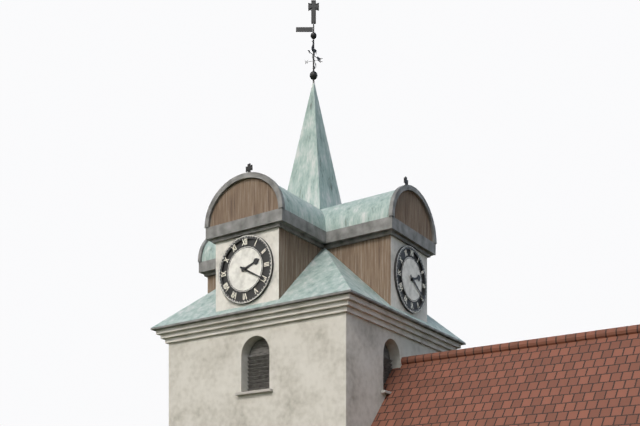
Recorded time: 2:20
